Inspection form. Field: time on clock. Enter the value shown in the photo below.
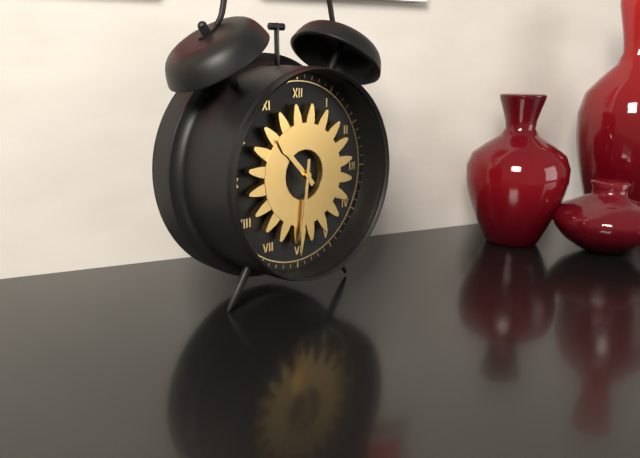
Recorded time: 10:31
